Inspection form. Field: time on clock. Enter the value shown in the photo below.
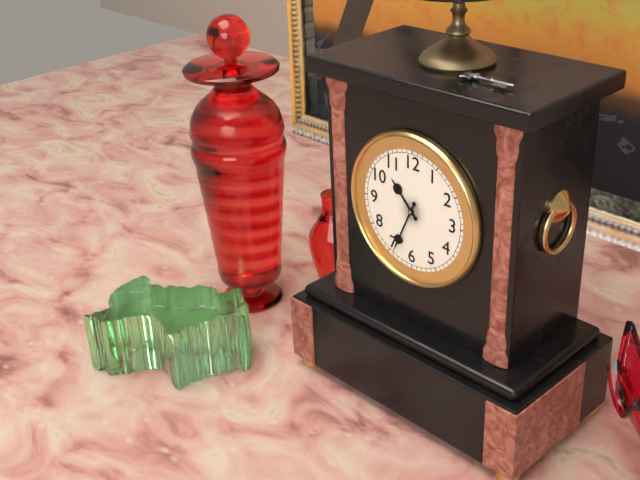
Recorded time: 10:34
